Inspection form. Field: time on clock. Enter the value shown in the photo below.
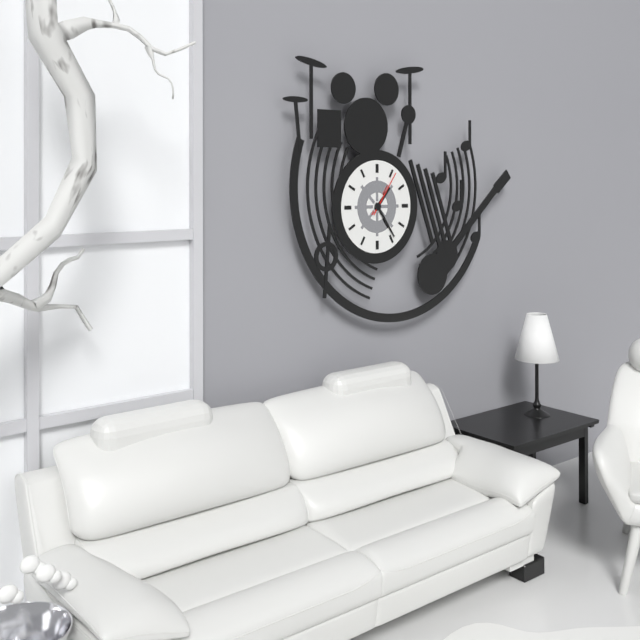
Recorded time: 1:24:06
